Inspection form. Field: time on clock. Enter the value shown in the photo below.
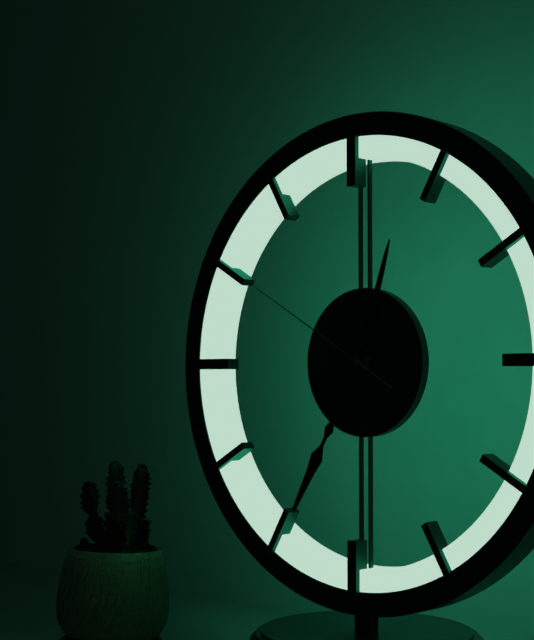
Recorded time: 12:35:50
